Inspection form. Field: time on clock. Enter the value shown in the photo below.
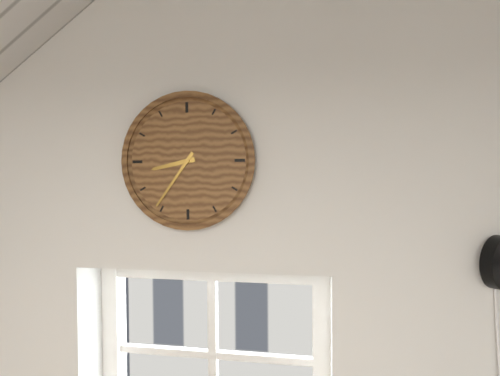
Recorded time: 8:36
